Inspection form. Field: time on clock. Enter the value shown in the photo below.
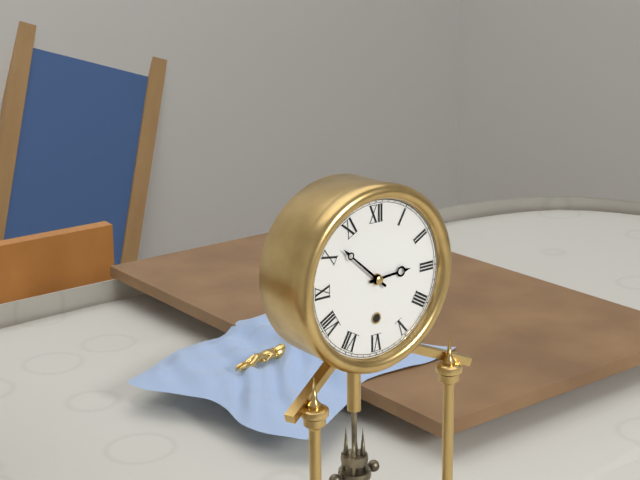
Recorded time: 2:52
